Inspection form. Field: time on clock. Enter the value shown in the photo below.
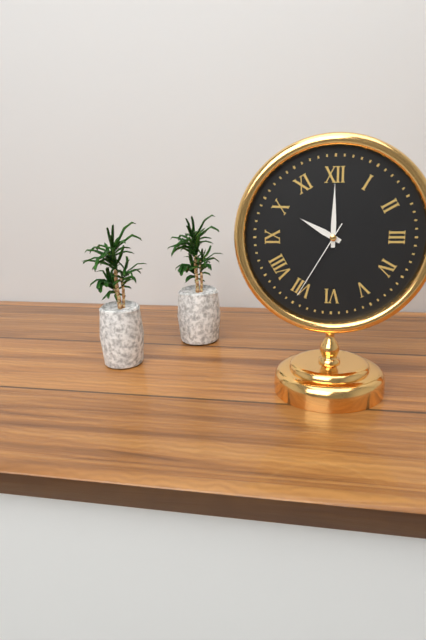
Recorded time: 10:00:35
